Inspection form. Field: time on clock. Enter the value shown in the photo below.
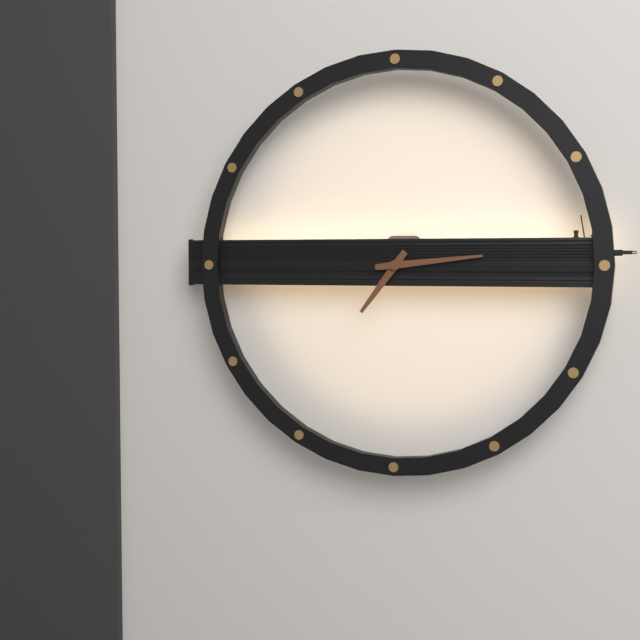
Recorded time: 7:14
